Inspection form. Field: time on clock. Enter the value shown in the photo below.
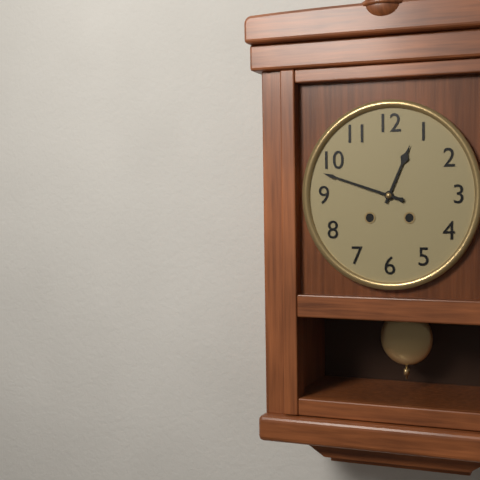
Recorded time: 12:48
